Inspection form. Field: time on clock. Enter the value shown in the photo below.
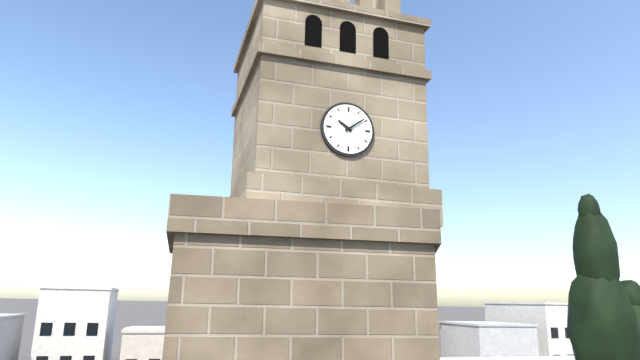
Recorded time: 10:09
